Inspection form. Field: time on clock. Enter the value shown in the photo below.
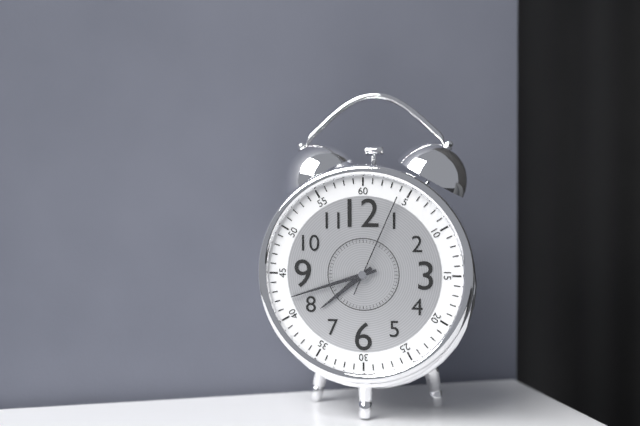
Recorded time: 7:42:04
